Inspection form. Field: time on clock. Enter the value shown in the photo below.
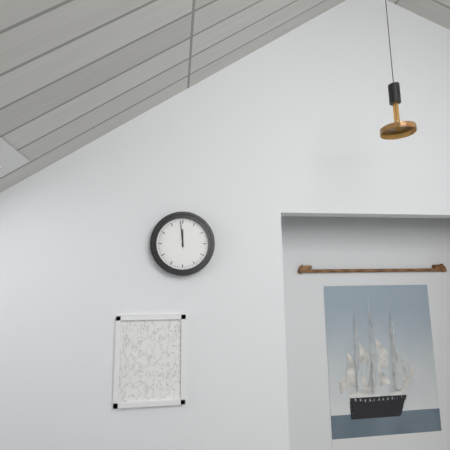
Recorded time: 11:59
